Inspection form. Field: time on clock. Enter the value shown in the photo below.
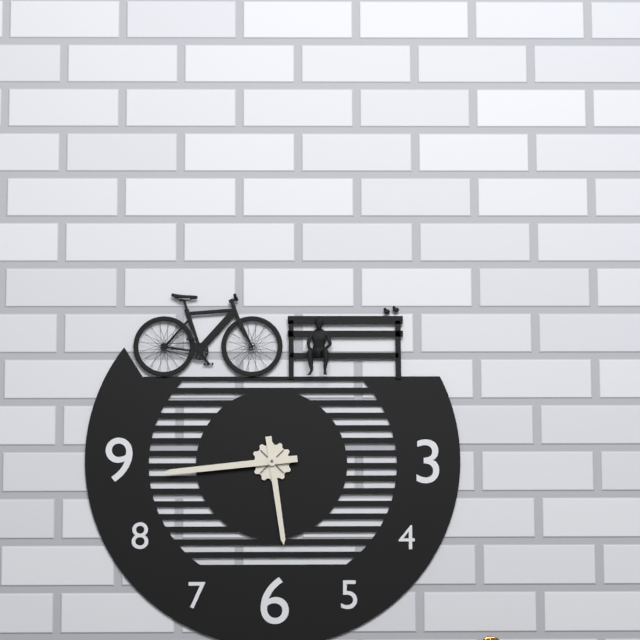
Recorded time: 5:44
